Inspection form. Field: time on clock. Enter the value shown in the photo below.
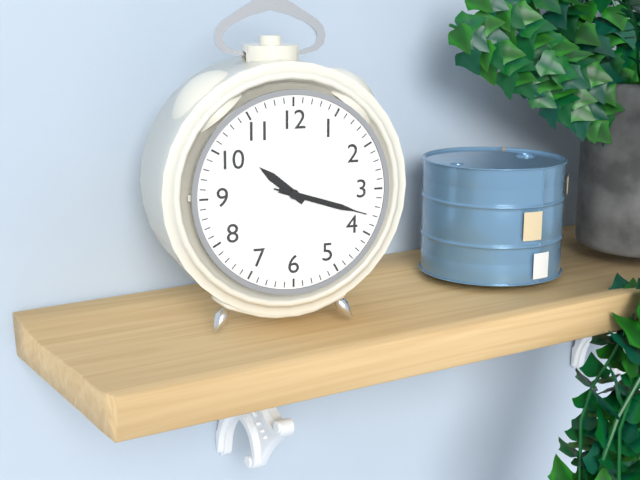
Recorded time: 10:18:18
